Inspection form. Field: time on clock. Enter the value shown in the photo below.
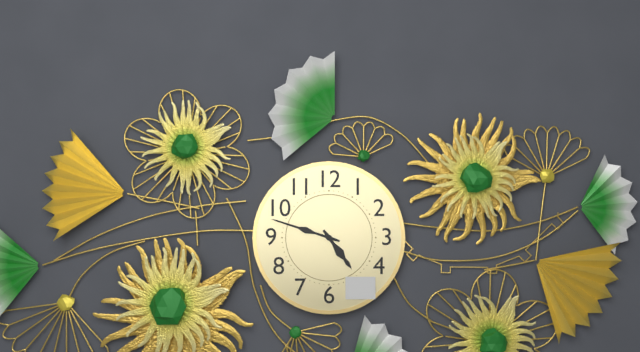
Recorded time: 4:48
